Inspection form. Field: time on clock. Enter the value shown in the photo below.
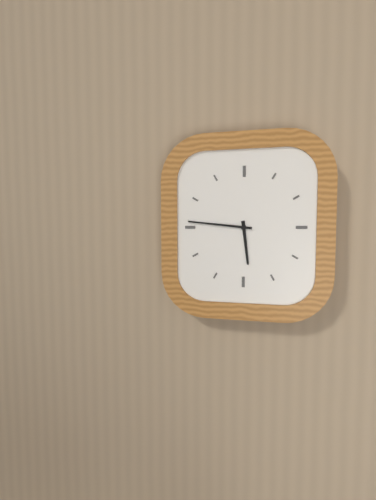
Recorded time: 5:46
